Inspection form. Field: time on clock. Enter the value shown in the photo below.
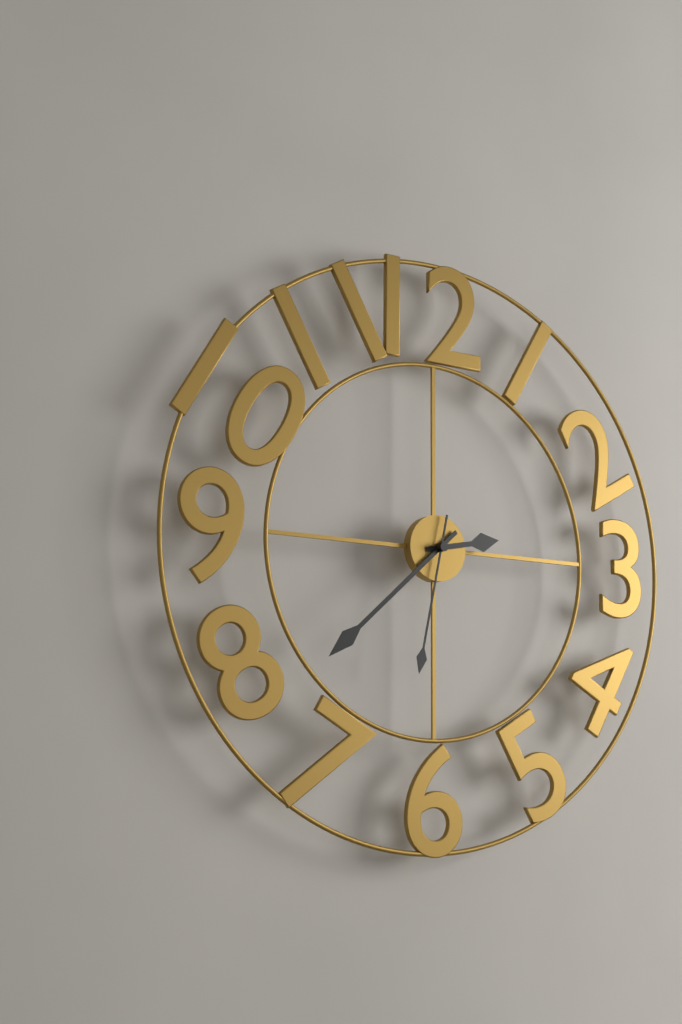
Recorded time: 2:38:32
